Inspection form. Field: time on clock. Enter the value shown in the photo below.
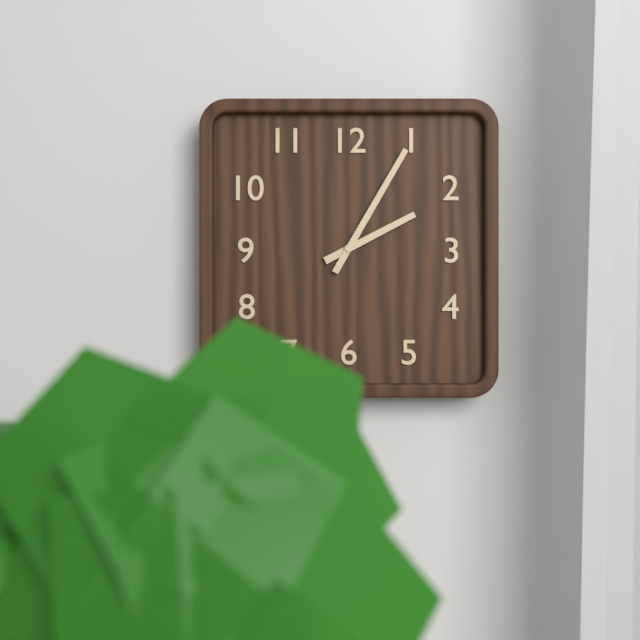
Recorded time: 2:05
